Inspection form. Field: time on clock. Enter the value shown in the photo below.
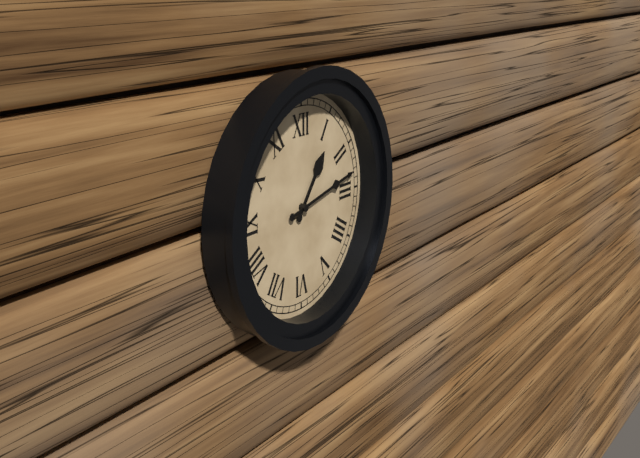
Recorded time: 1:13
